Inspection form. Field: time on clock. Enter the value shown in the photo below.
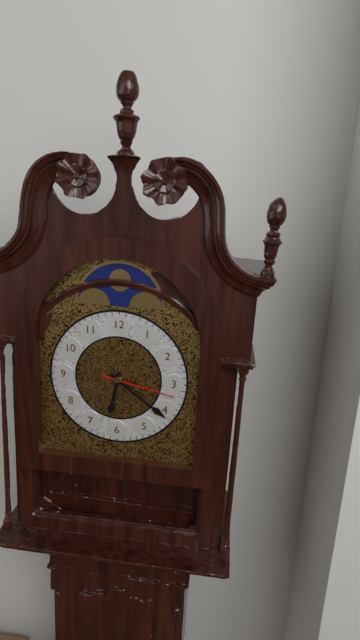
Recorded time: 6:21:17
